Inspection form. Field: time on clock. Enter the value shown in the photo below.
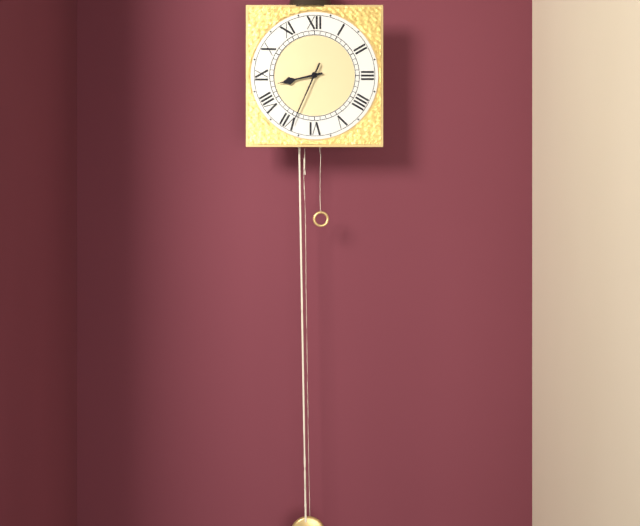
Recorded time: 8:34
